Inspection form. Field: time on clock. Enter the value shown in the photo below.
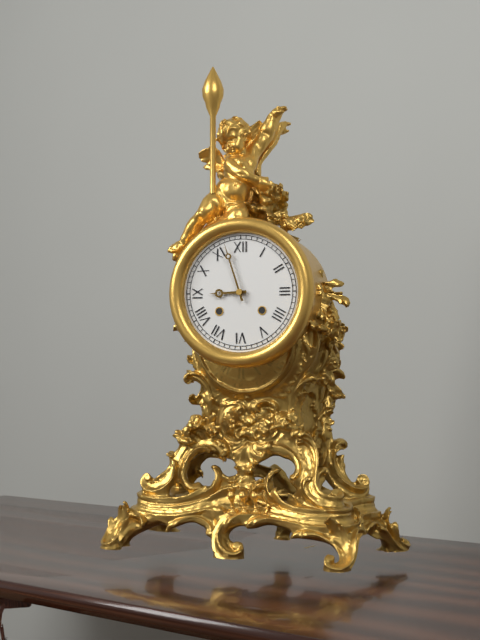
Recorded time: 8:57
